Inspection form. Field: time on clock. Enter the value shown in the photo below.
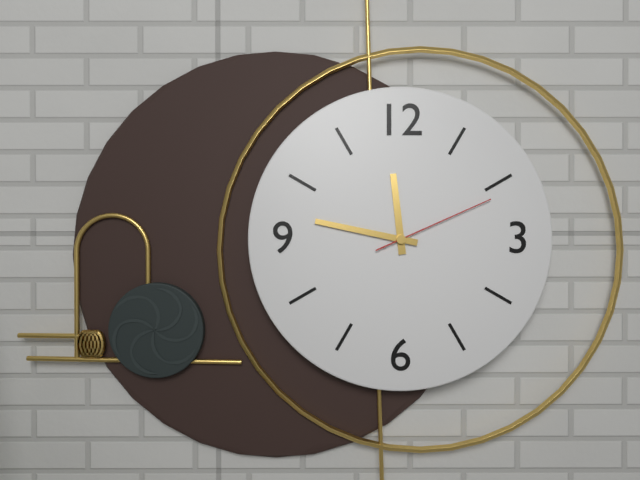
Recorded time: 11:47:11
